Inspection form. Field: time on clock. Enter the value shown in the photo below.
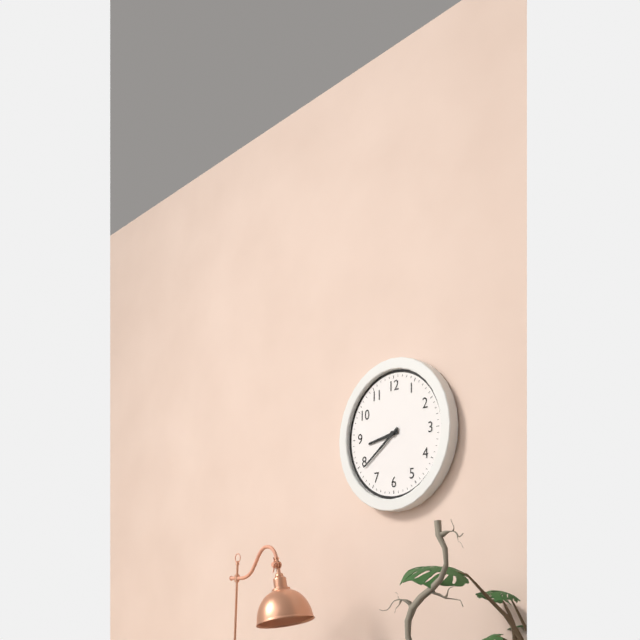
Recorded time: 8:39
